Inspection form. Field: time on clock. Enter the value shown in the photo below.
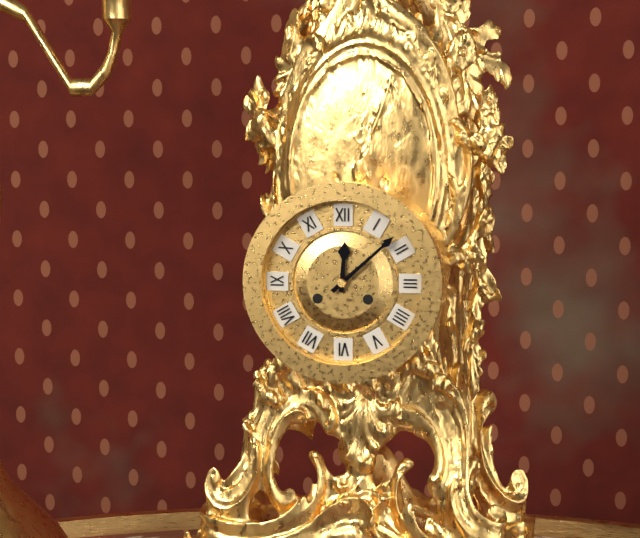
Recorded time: 12:08
